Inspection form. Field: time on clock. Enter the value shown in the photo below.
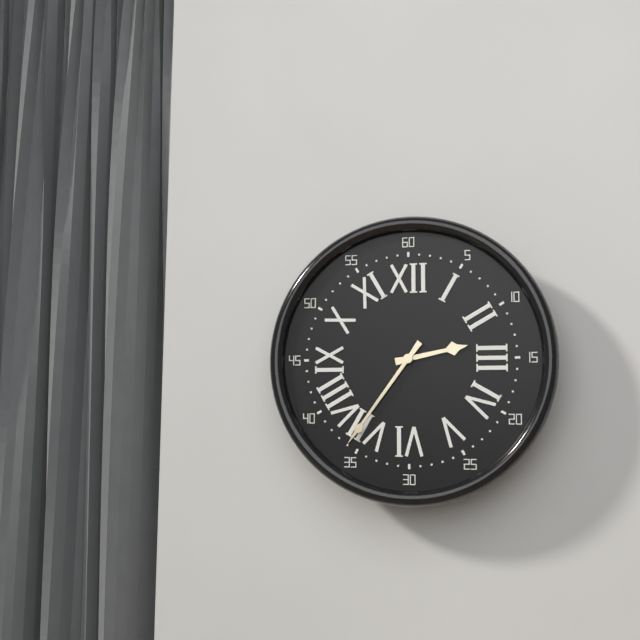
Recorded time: 2:36
